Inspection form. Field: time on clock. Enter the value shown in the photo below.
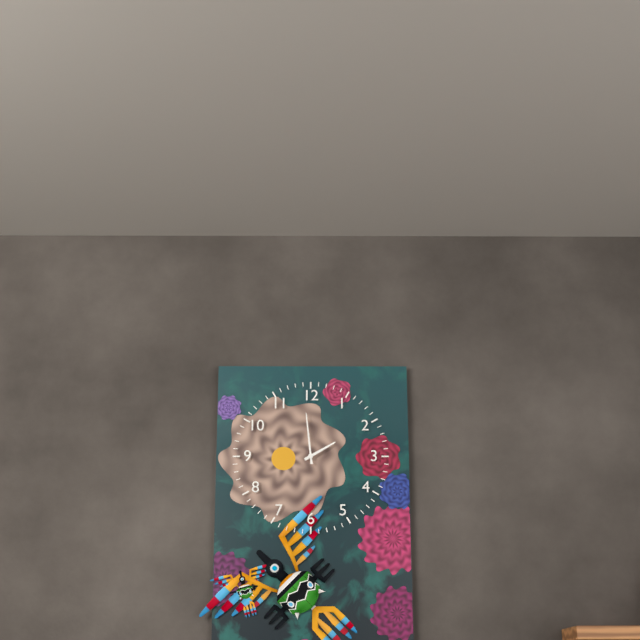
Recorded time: 1:59
